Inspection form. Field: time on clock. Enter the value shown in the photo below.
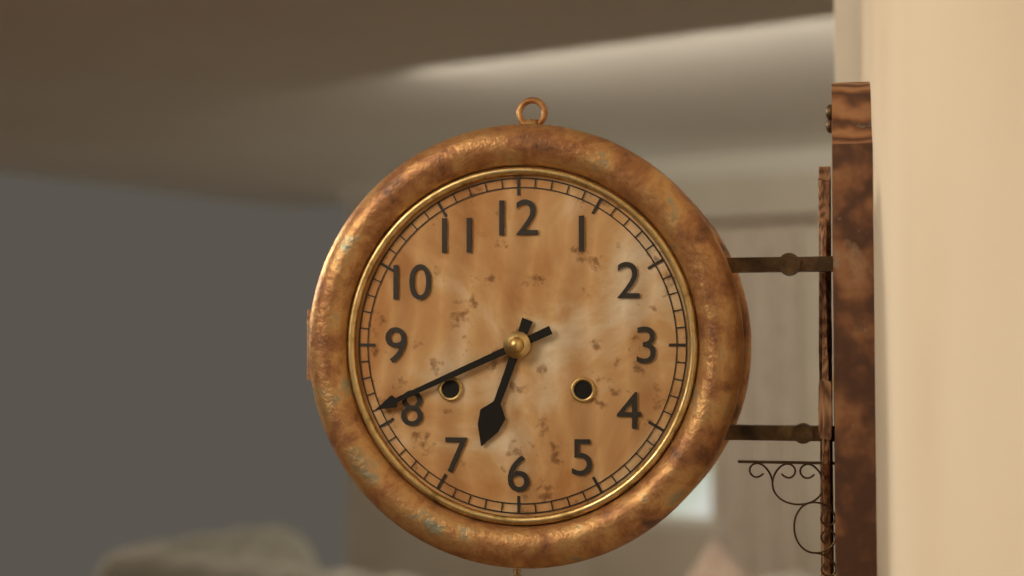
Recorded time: 6:41
